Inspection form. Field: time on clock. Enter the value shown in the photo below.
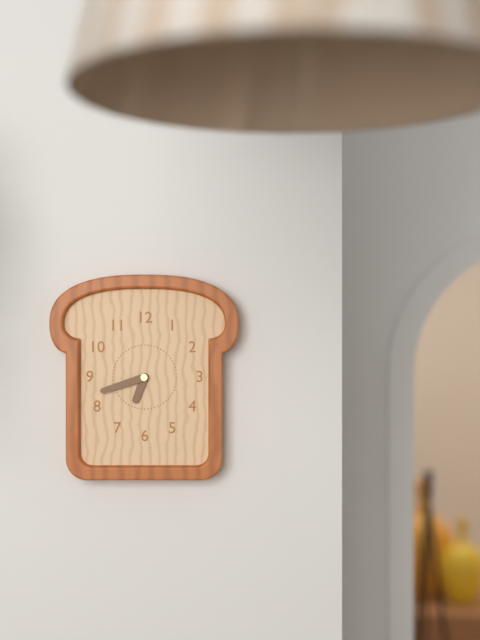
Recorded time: 6:42
